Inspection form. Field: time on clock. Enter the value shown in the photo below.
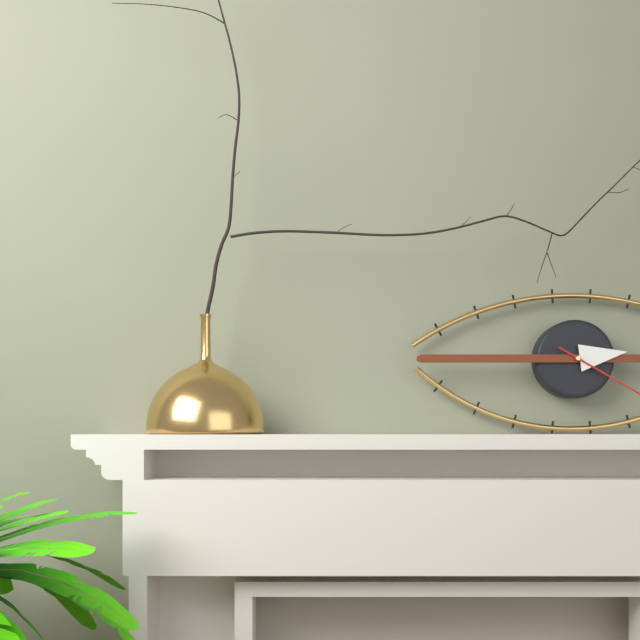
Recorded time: 2:45
